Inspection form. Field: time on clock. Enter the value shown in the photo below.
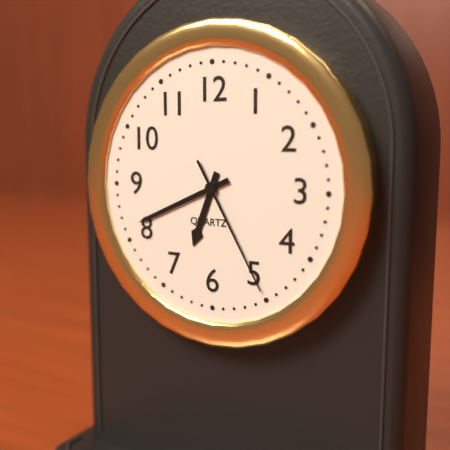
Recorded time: 6:41:25
